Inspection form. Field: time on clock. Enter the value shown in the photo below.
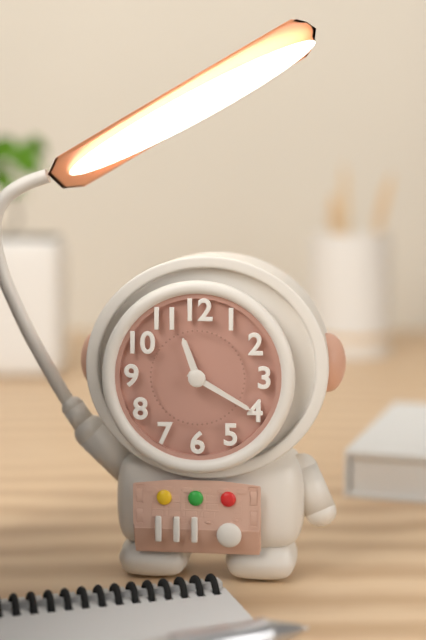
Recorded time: 11:20
